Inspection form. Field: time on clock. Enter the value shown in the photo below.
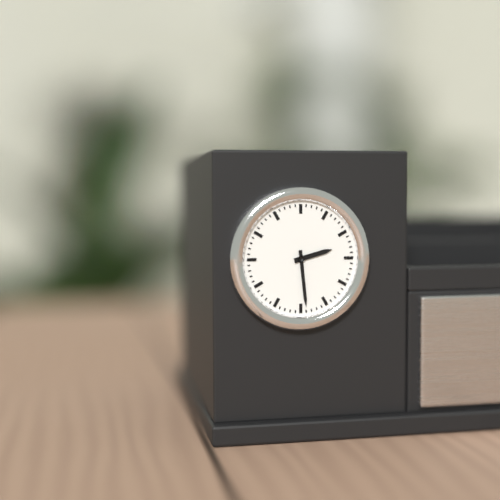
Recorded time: 2:29
